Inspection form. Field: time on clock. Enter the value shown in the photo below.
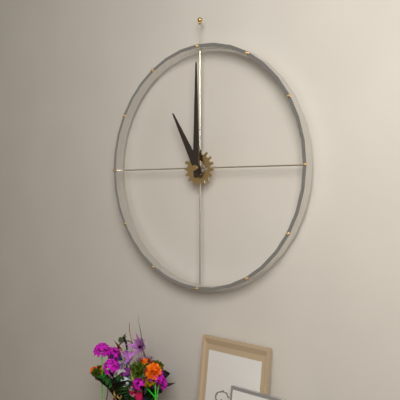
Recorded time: 11:00
